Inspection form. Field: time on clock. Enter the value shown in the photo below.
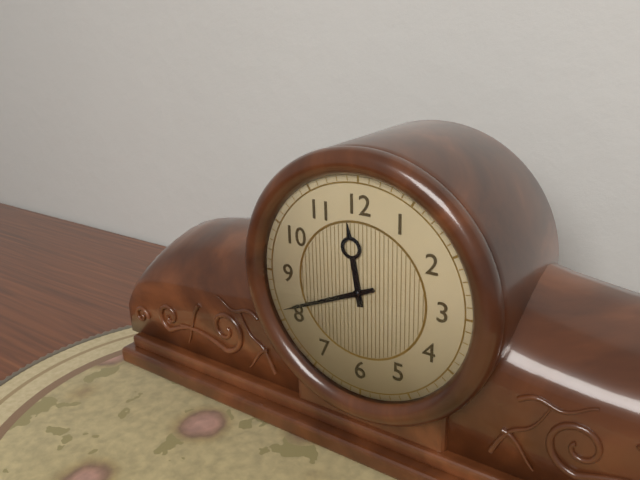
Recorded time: 11:41
